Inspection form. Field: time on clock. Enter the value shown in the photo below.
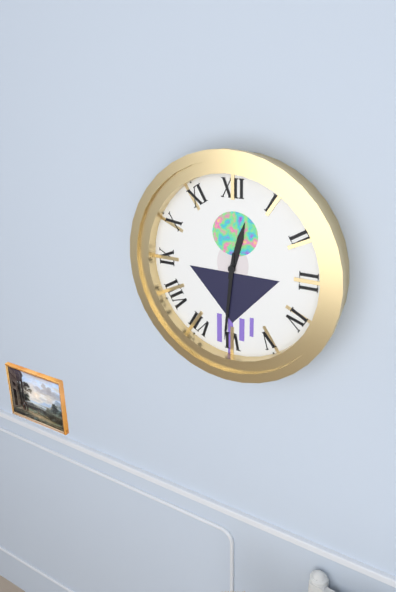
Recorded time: 12:31
